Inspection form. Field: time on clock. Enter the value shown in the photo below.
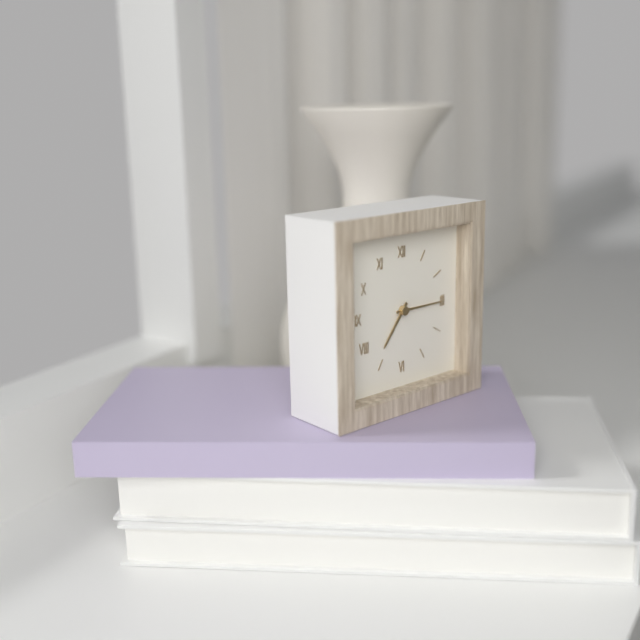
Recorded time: 7:15
